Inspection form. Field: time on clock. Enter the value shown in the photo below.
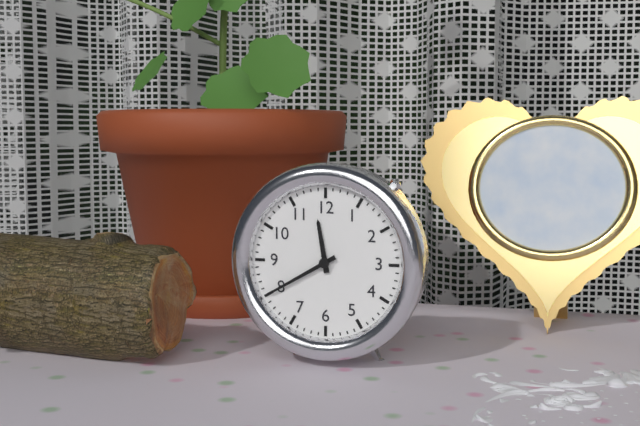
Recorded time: 11:40
